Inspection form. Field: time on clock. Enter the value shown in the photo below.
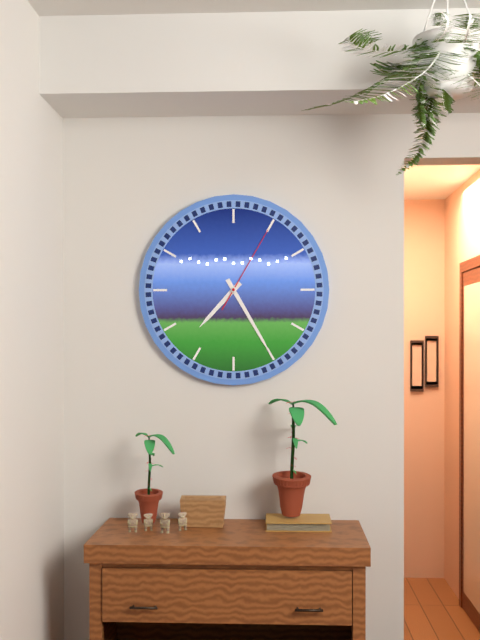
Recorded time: 7:25:05
